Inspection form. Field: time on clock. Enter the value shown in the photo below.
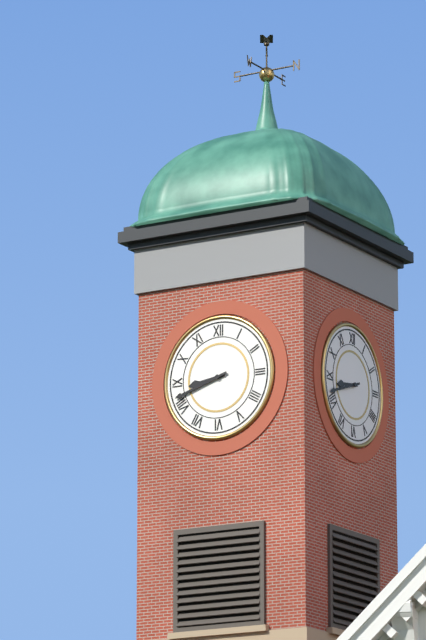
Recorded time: 8:42
